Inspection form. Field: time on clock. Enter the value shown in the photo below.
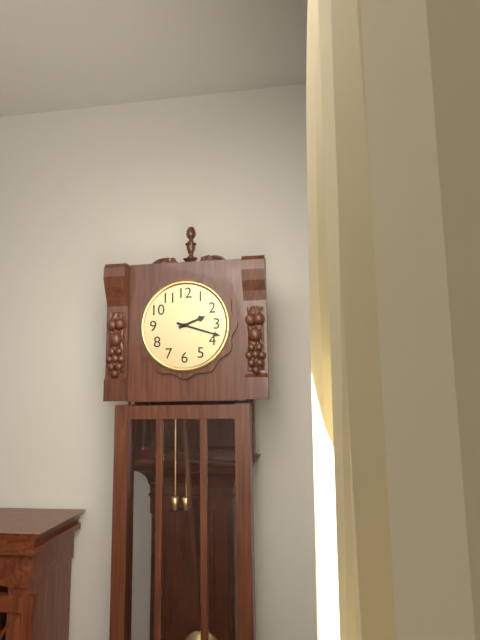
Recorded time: 2:18
